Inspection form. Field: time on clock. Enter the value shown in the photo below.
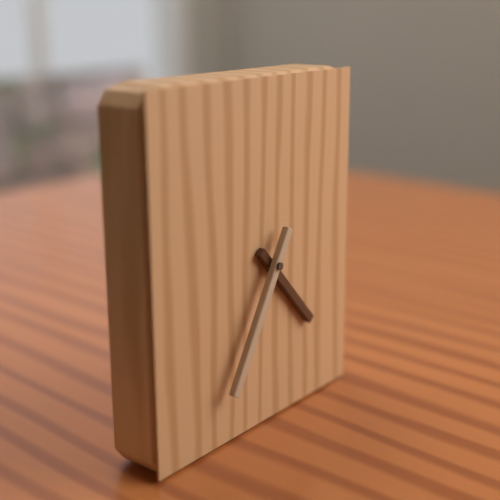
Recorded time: 4:35
